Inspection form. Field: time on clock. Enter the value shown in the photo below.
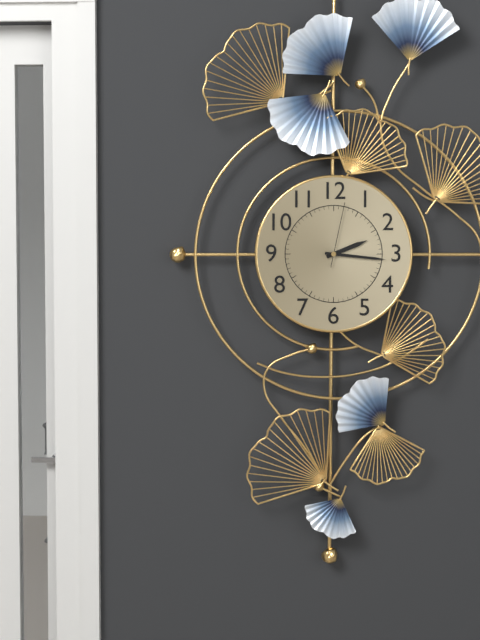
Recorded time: 2:16:02
